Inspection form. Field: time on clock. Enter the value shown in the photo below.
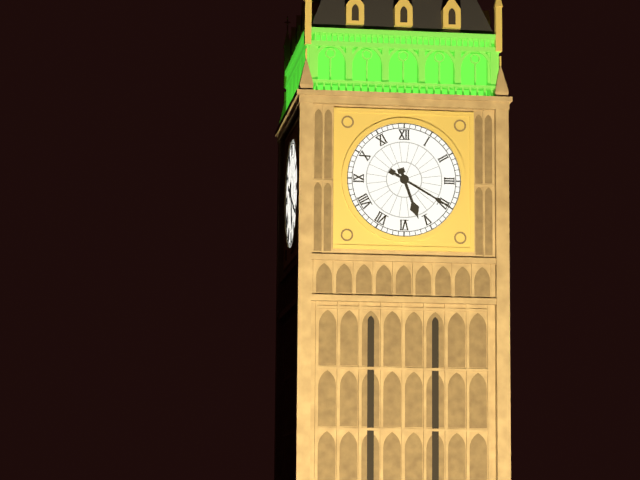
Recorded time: 5:20
